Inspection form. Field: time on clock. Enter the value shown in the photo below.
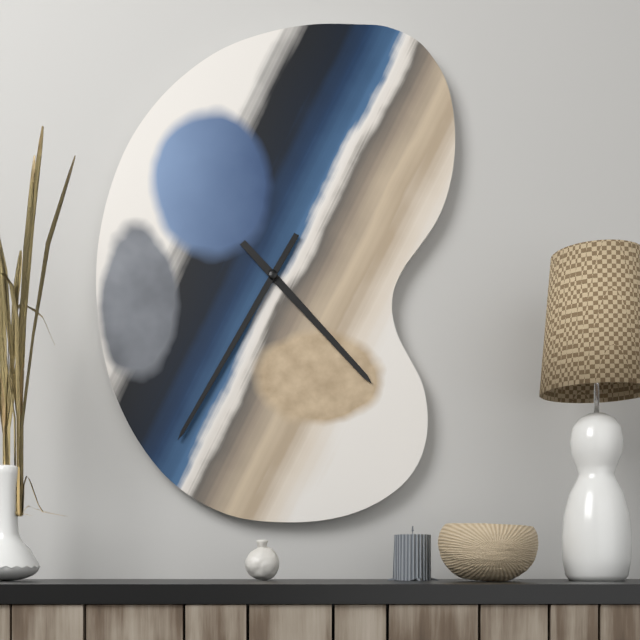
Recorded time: 4:35
